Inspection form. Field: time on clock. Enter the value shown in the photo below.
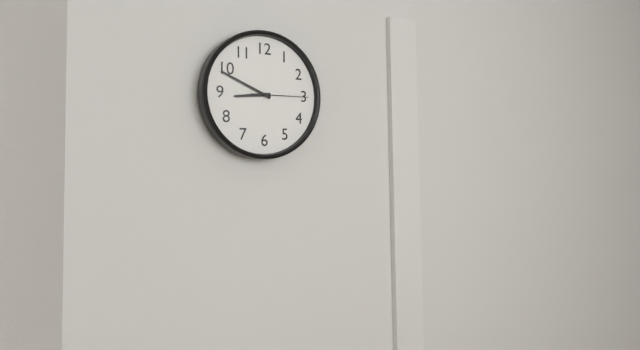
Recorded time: 8:49:15
